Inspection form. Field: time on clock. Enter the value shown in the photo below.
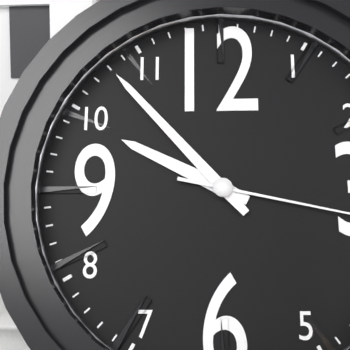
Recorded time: 9:53
